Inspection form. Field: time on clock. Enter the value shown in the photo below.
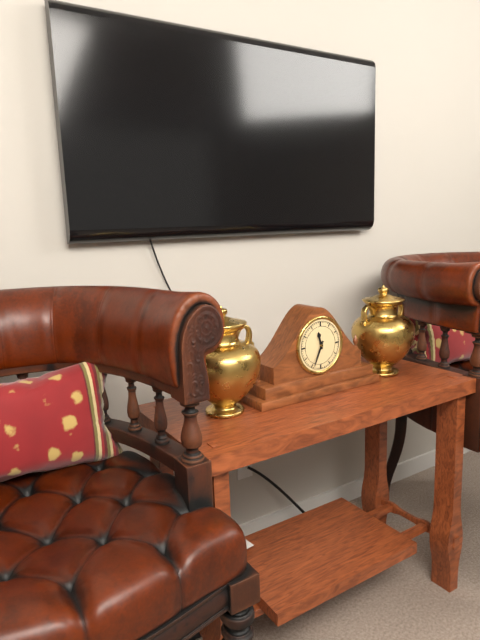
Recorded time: 11:34
